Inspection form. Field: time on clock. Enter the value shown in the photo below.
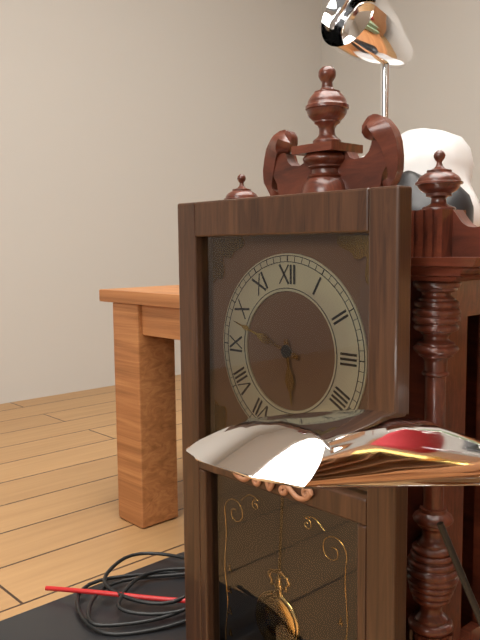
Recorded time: 5:48
